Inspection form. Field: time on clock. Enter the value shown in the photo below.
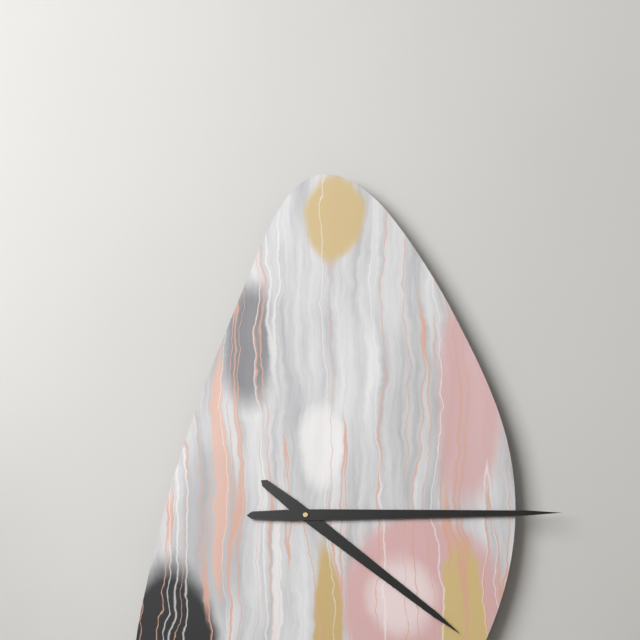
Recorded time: 4:15
